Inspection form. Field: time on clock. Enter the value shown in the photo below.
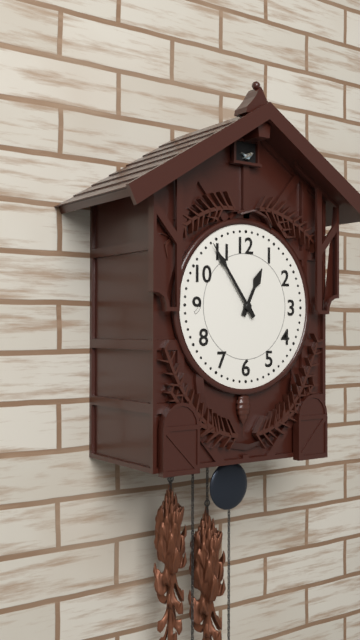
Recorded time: 12:54
